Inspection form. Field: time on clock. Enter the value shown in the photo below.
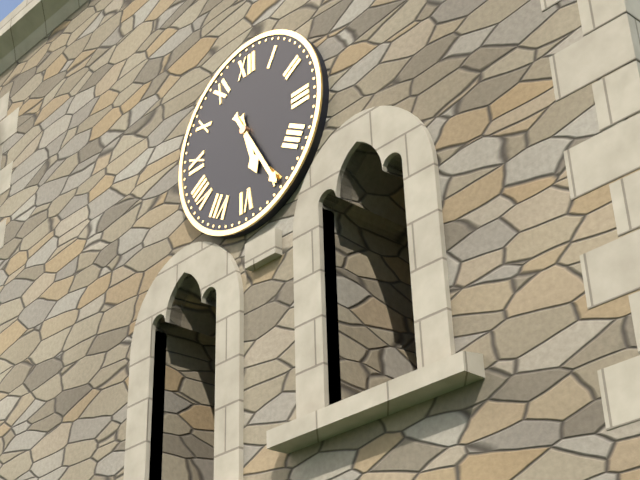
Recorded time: 5:25
